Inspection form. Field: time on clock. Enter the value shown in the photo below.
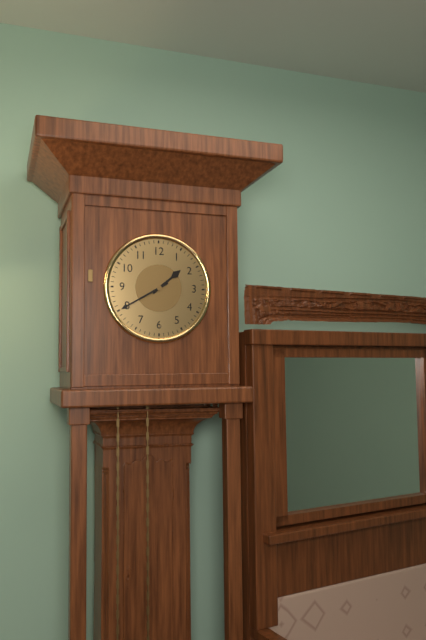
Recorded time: 1:40
